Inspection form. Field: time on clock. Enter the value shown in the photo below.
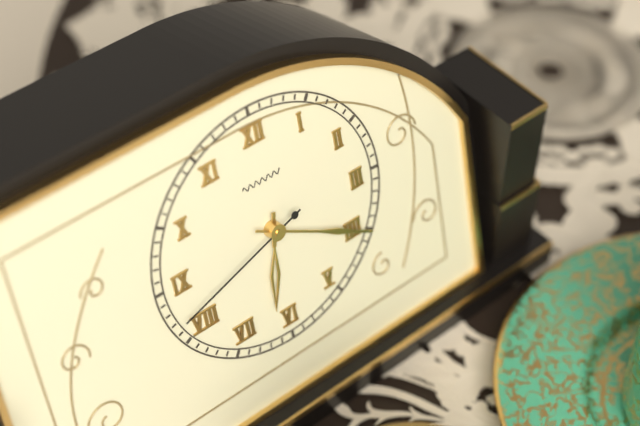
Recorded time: 6:20:42
